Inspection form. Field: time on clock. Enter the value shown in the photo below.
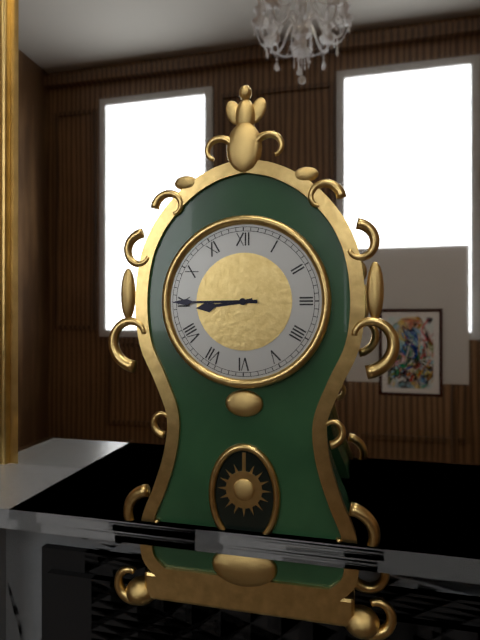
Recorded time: 8:45
